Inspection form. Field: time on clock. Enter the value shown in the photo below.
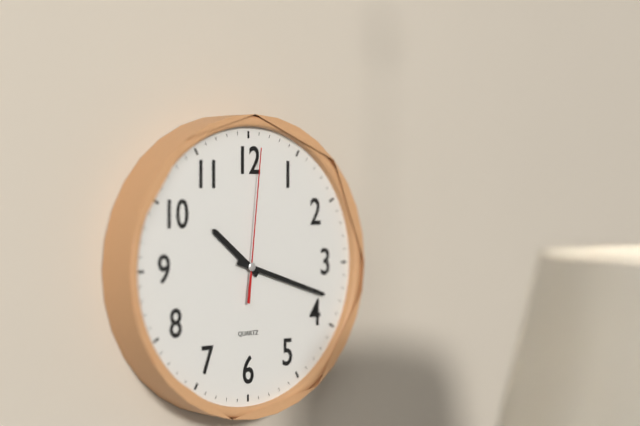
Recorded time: 10:18:01
